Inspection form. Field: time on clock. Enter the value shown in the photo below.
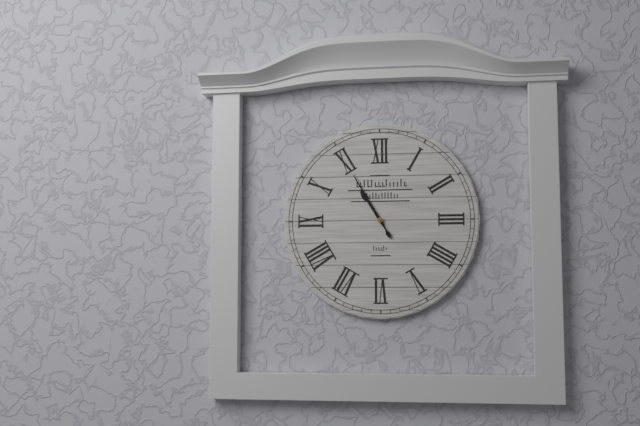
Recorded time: 10:55
